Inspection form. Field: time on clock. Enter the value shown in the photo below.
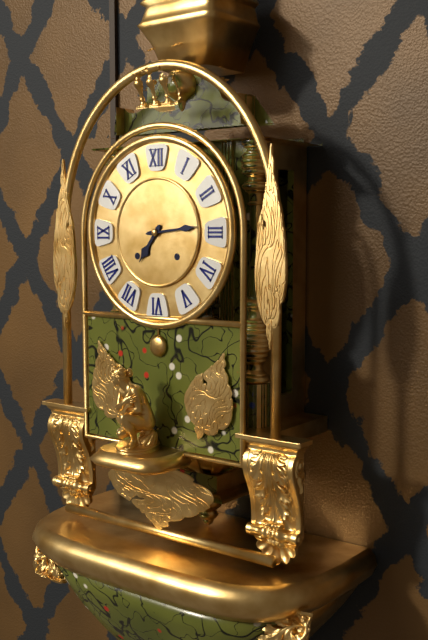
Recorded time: 7:14
